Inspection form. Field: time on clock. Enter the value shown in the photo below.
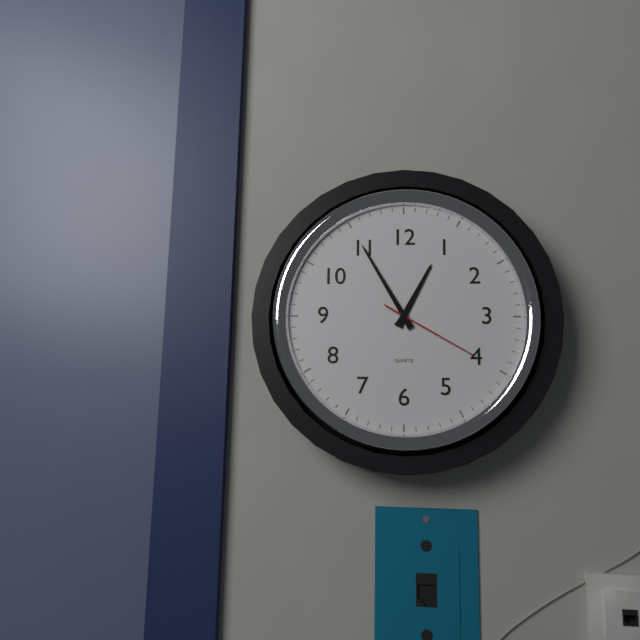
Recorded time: 12:55:20
